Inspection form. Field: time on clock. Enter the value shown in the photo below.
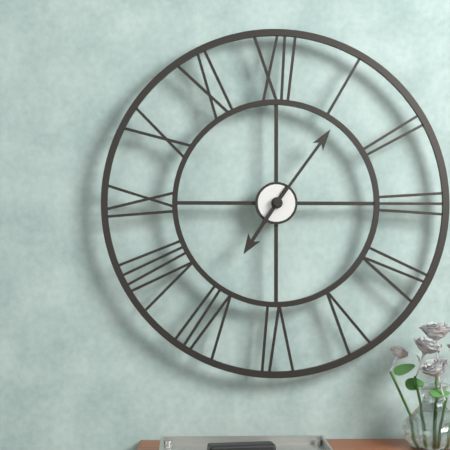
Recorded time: 7:06
